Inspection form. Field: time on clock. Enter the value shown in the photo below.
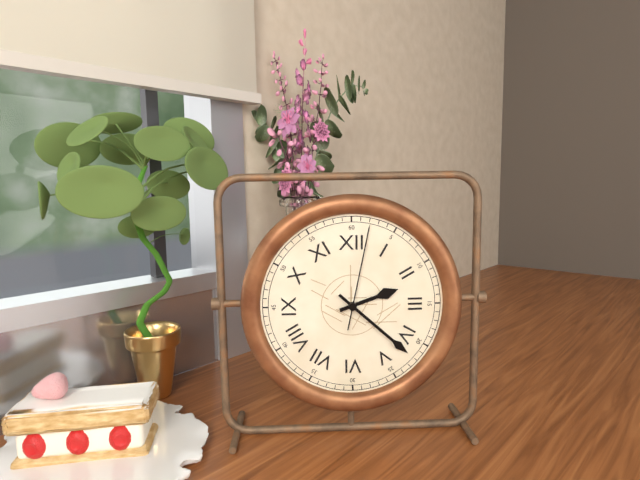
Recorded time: 2:22:02
